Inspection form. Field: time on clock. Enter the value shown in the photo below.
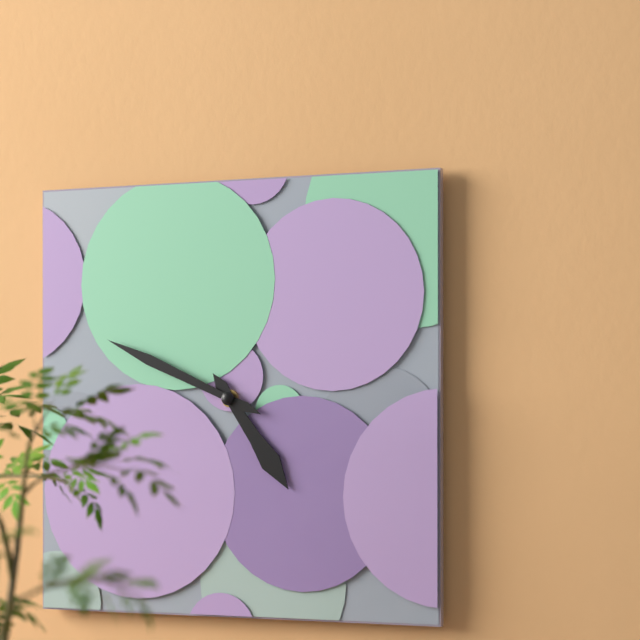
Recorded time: 4:49
